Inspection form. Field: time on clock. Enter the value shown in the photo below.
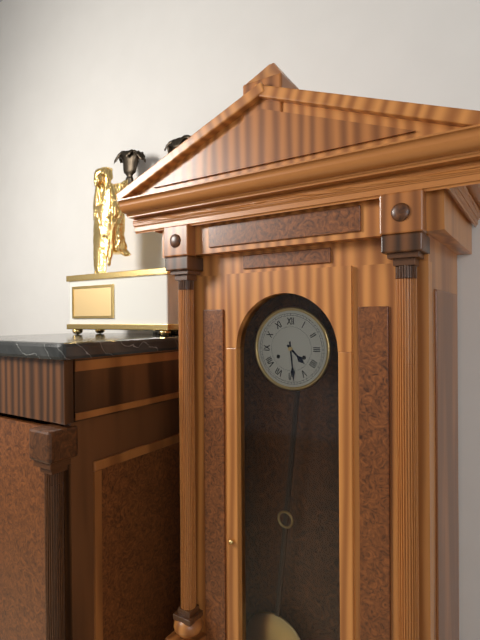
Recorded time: 4:29
